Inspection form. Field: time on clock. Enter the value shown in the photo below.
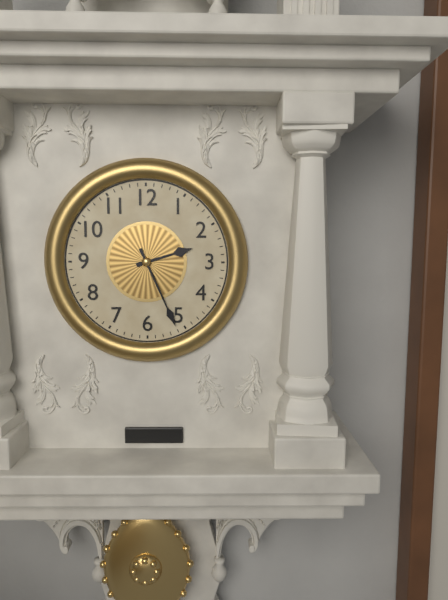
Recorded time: 2:26
